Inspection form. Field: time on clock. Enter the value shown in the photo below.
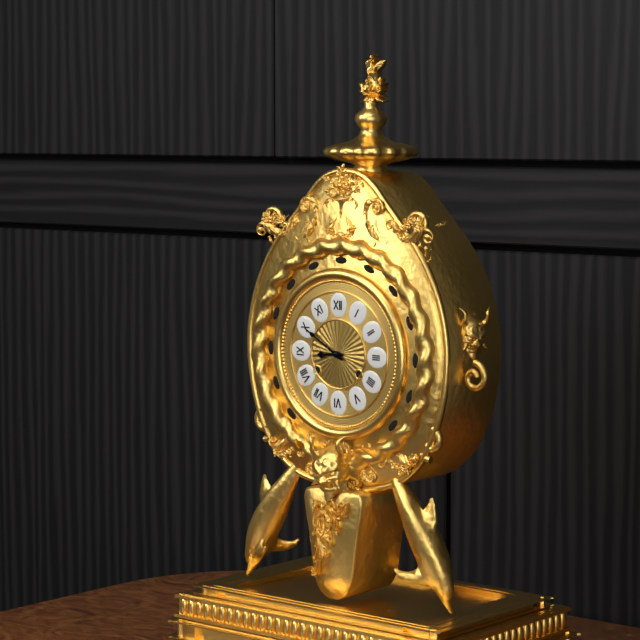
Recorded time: 8:50
